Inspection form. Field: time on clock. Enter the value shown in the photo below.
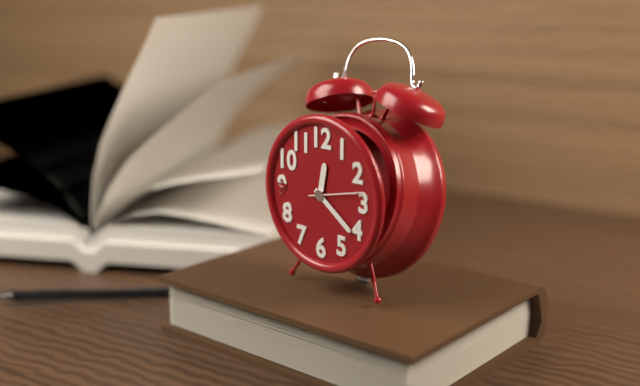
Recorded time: 12:21:13
